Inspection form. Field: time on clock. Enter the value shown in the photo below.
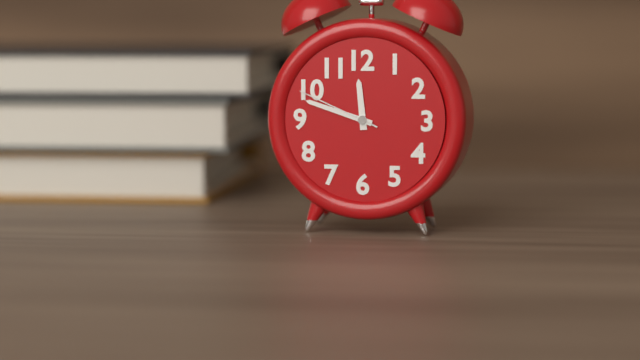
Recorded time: 11:48:49
